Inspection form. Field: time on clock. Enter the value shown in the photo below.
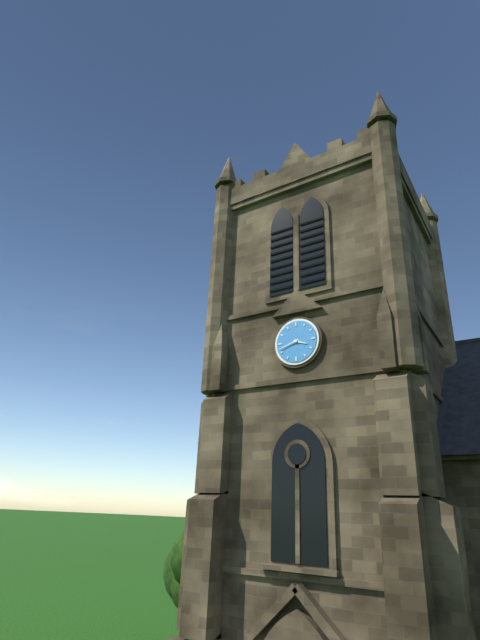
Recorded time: 3:42
